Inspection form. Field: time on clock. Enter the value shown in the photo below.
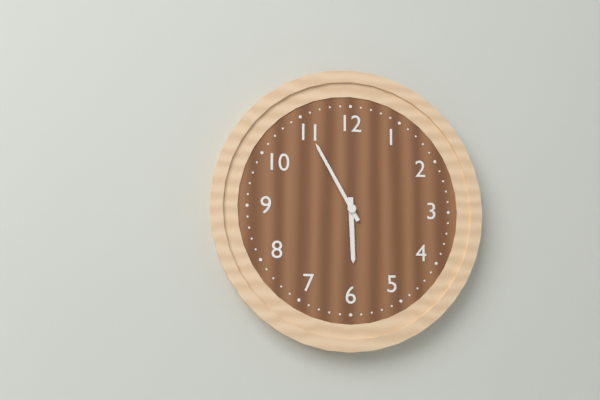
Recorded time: 5:55
